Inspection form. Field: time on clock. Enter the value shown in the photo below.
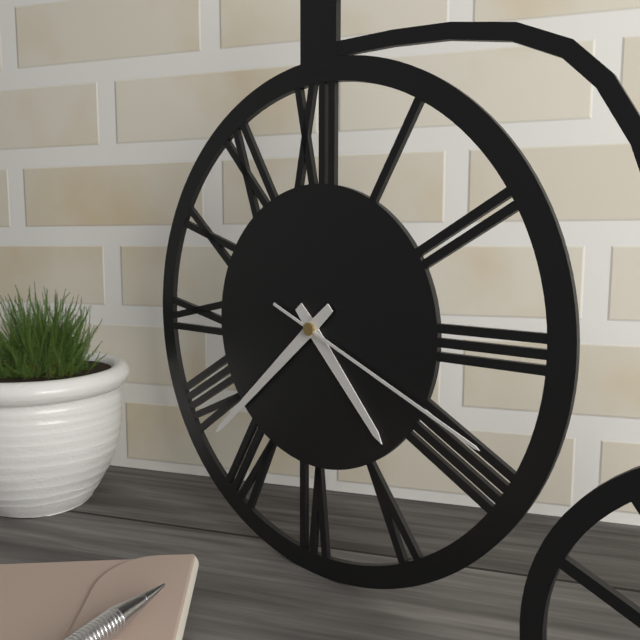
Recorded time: 4:38:19
